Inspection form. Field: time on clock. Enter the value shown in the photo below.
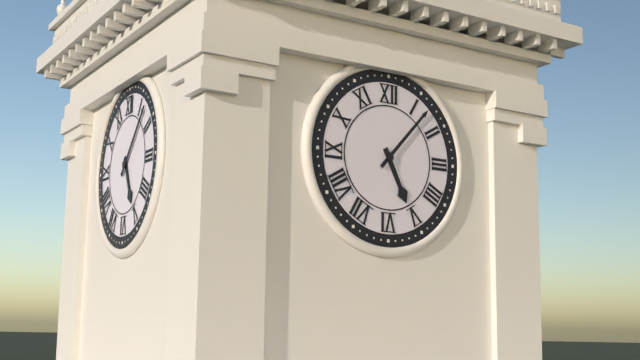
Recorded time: 5:07
